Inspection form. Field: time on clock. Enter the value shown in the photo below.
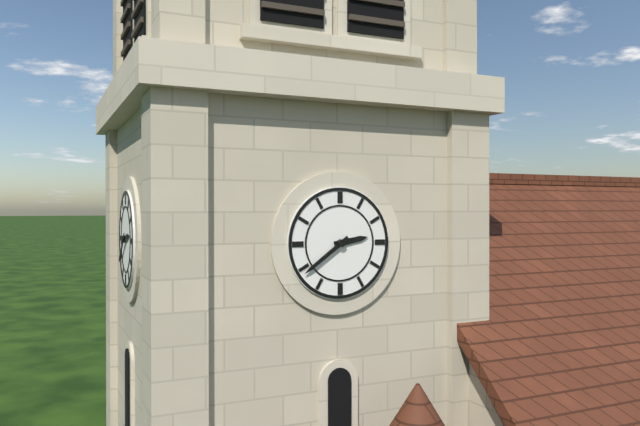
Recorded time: 2:39
